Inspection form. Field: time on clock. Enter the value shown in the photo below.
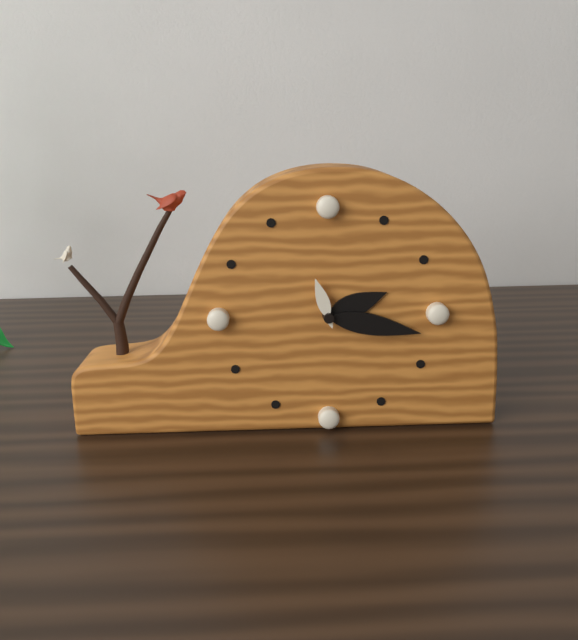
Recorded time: 2:17:57
